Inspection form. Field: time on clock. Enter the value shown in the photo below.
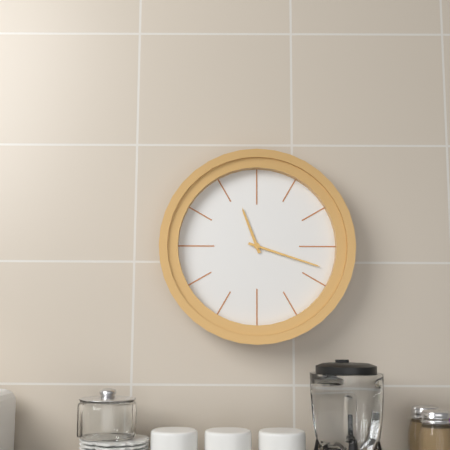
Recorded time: 11:18
